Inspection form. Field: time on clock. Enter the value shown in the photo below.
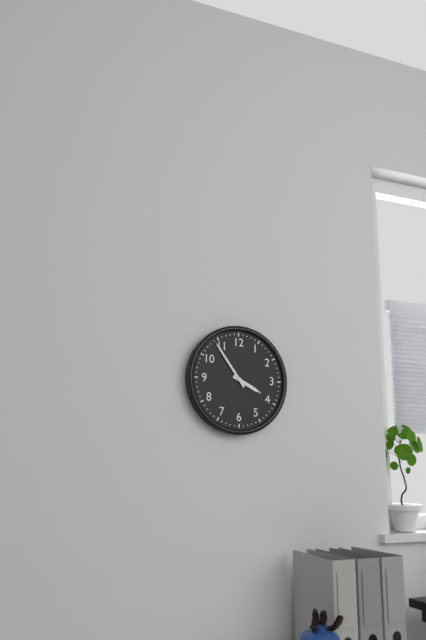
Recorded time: 3:54
